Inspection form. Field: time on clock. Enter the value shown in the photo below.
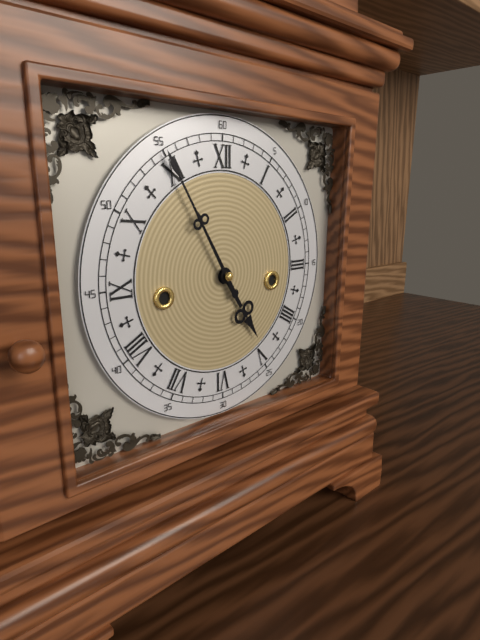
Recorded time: 4:55
